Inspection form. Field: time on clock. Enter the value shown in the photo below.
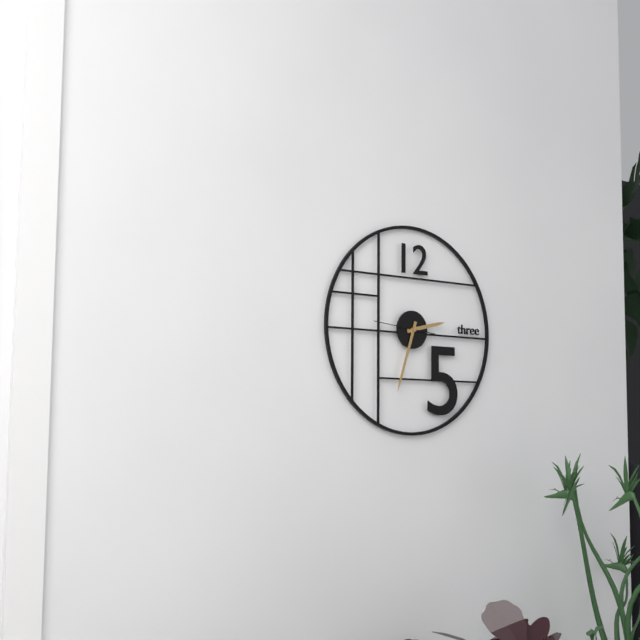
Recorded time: 2:33
